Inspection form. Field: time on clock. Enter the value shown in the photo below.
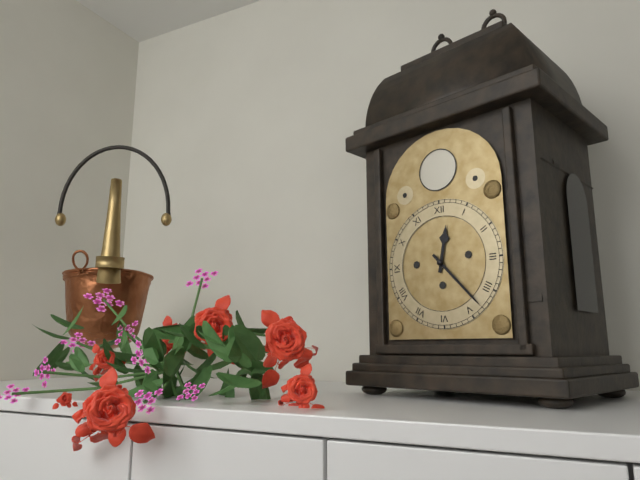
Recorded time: 12:23
